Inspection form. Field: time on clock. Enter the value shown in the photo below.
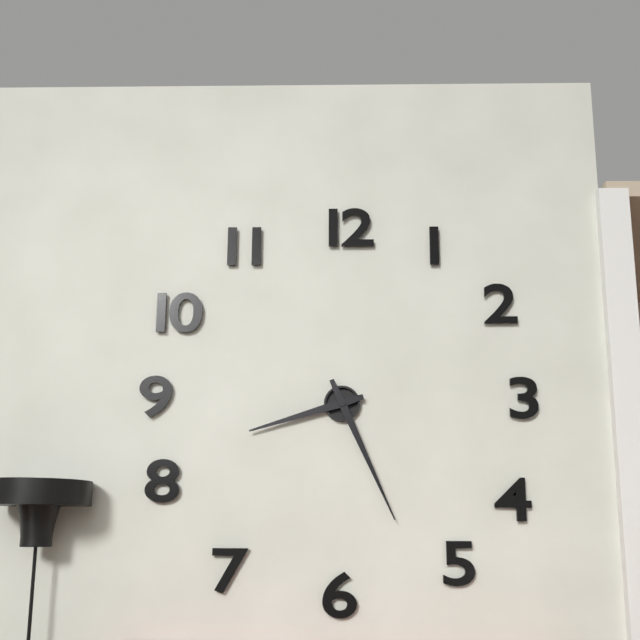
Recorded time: 8:26
